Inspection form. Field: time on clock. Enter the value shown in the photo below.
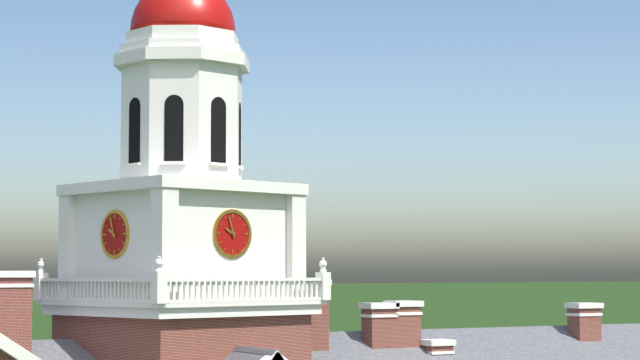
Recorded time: 9:57
